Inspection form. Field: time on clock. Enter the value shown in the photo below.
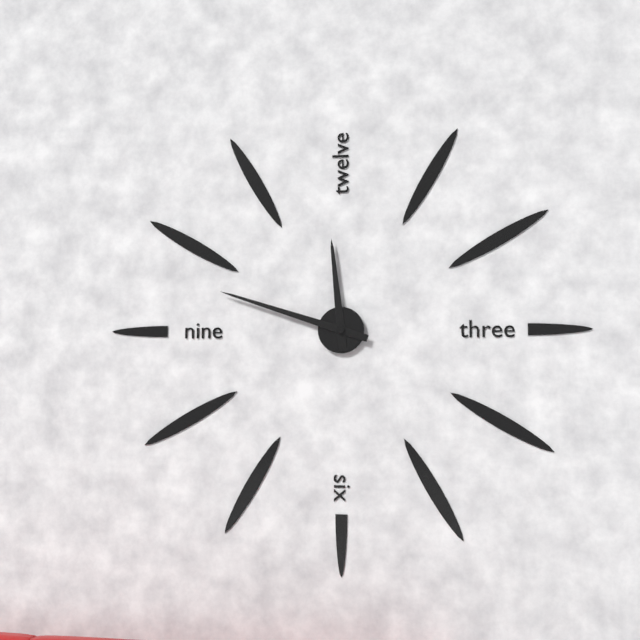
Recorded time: 11:48
